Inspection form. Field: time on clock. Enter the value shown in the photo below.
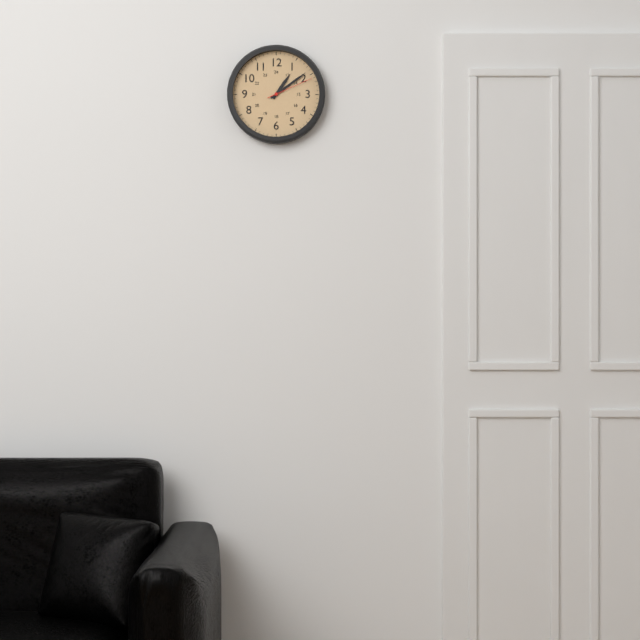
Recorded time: 1:09
